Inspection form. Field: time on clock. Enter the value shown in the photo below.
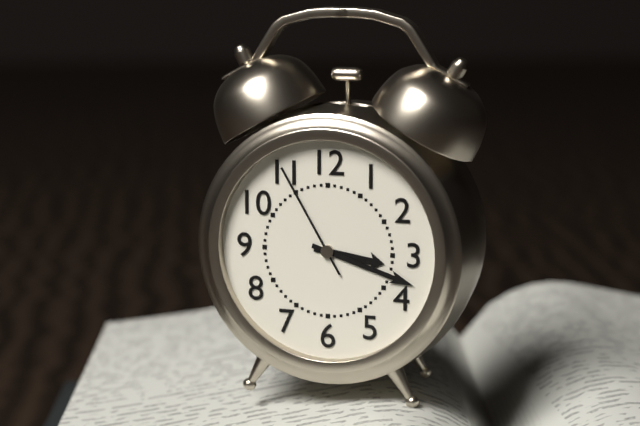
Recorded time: 3:18:55
